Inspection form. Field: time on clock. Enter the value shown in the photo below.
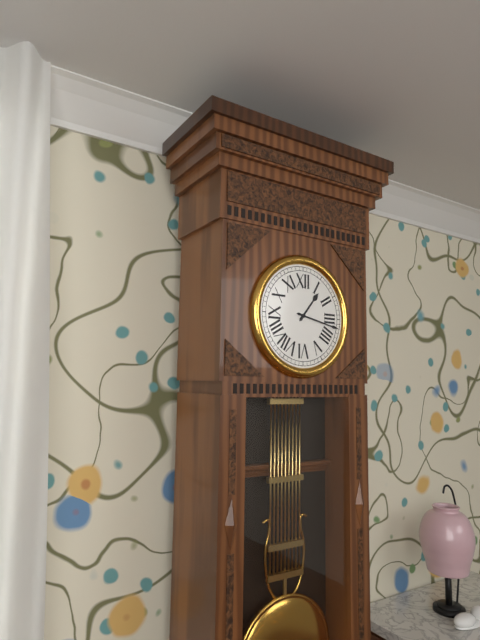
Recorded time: 1:17
